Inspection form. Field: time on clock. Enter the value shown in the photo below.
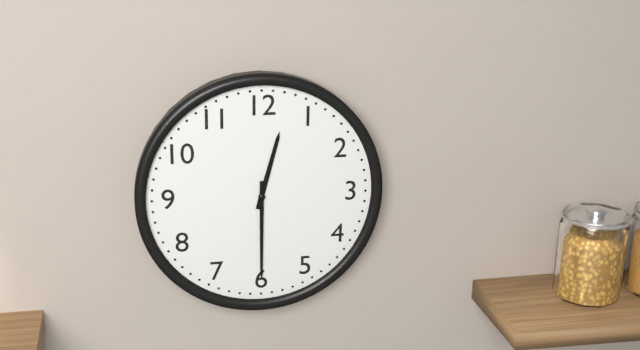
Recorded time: 12:30
